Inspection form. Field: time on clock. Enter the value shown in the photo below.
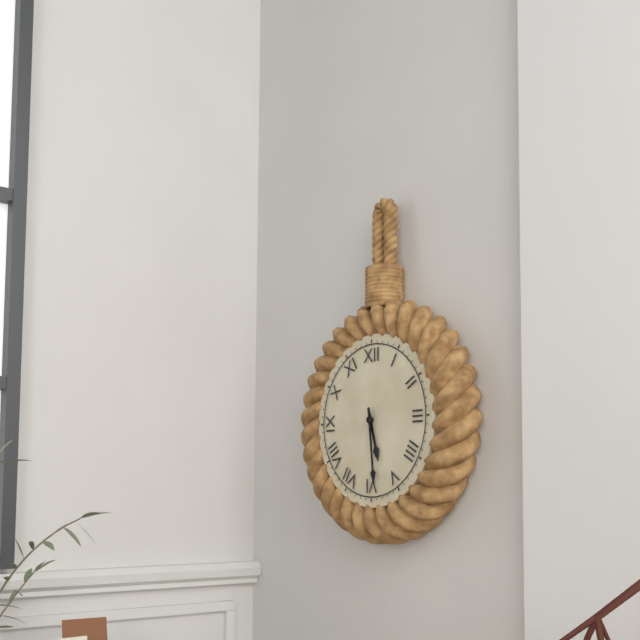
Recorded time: 5:29
